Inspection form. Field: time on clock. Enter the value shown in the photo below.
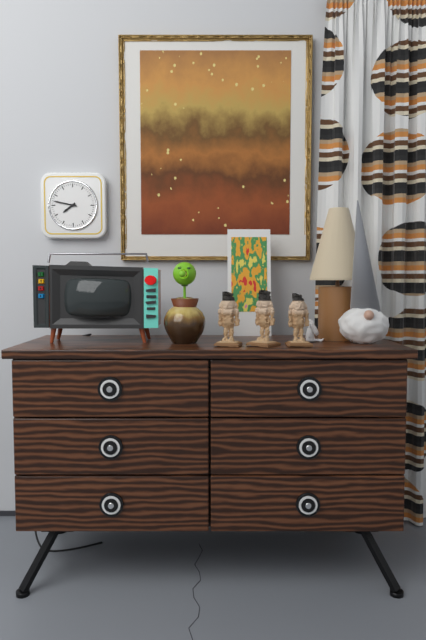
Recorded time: 7:47
